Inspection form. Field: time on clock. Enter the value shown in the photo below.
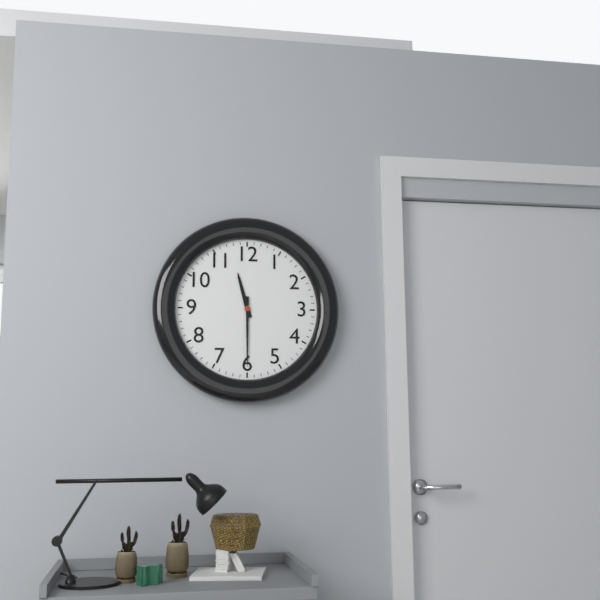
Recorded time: 11:30
